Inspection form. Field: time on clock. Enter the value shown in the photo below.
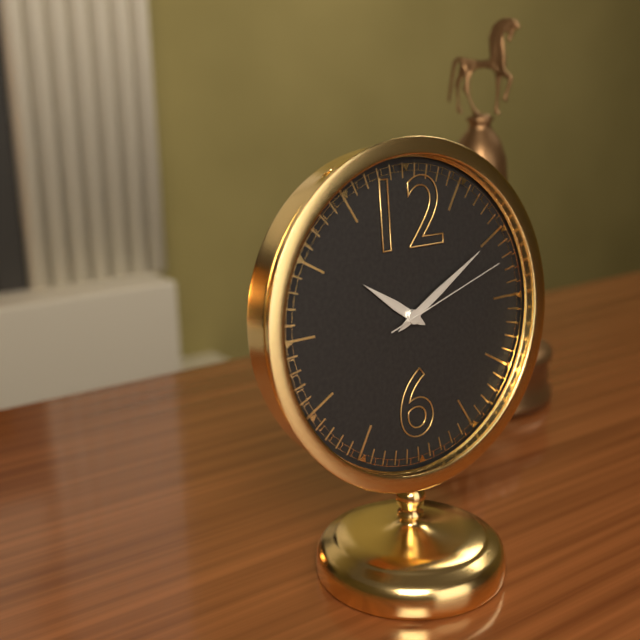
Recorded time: 10:10:12
